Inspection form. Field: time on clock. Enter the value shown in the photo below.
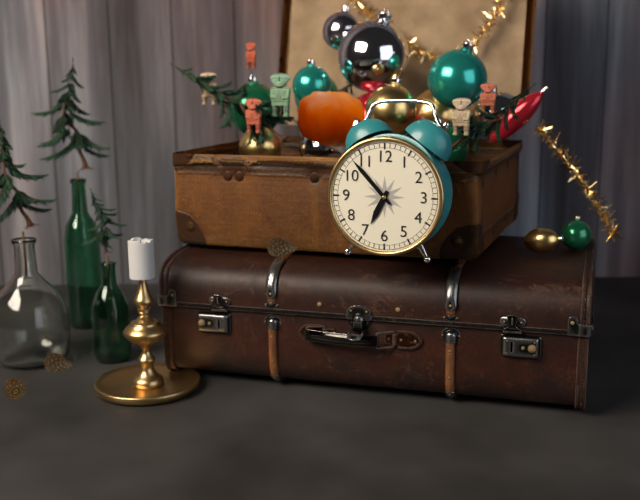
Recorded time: 6:53
